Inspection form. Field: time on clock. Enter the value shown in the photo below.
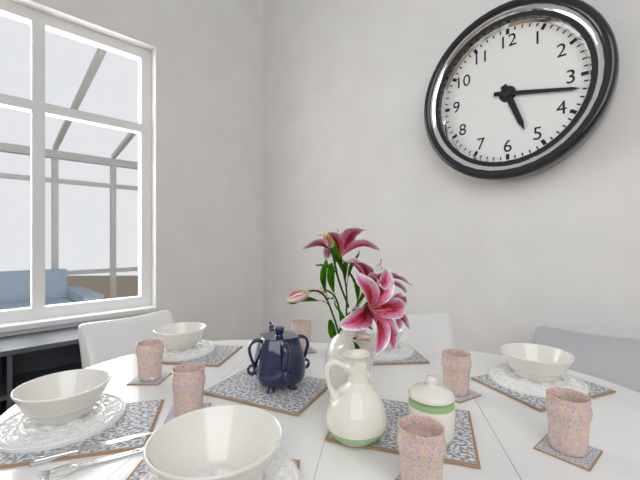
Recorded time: 5:17
